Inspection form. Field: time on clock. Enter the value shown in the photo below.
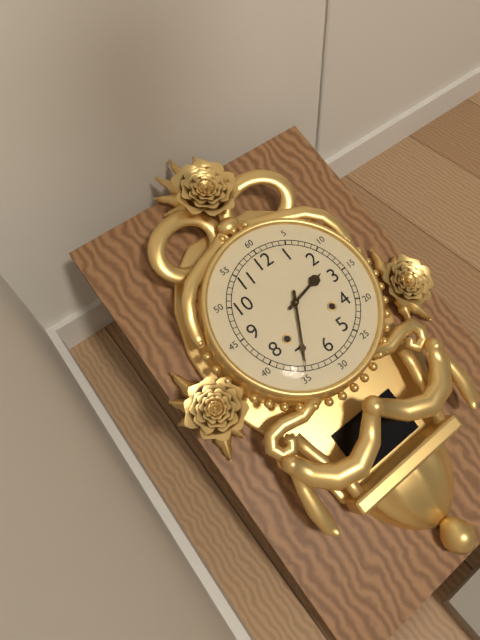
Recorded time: 2:35
